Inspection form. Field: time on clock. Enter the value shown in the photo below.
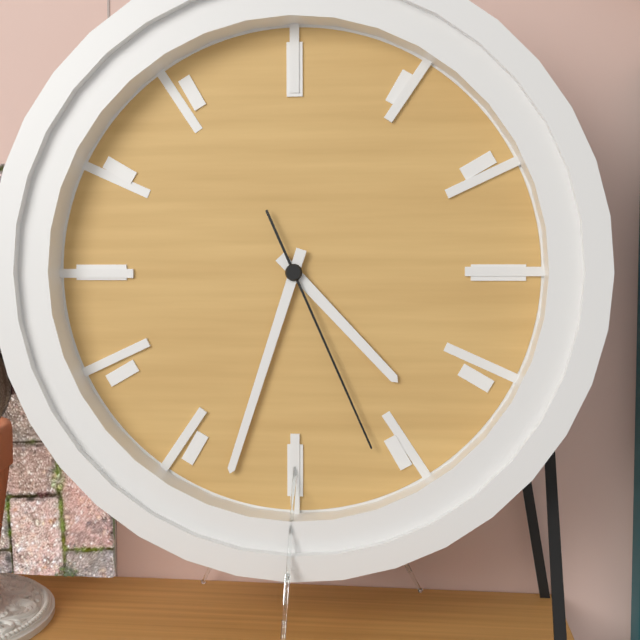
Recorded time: 4:33:26
